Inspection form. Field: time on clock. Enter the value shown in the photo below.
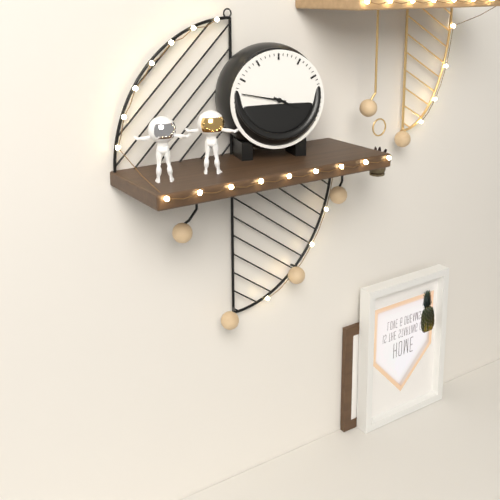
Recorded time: 3:47
